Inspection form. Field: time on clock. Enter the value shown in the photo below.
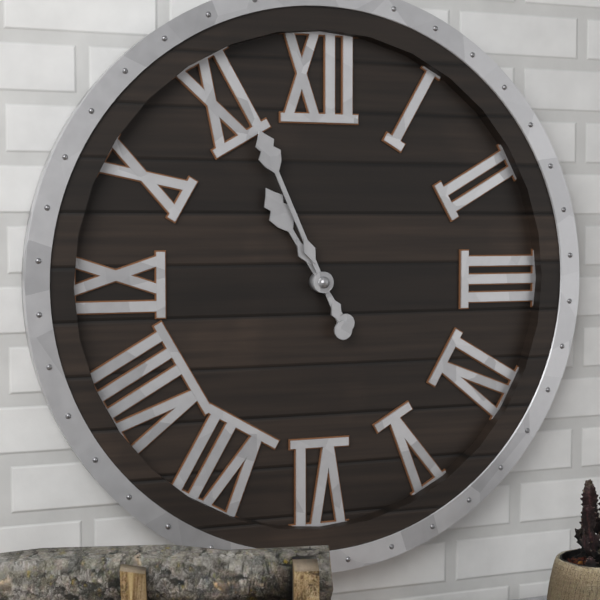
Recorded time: 10:56
